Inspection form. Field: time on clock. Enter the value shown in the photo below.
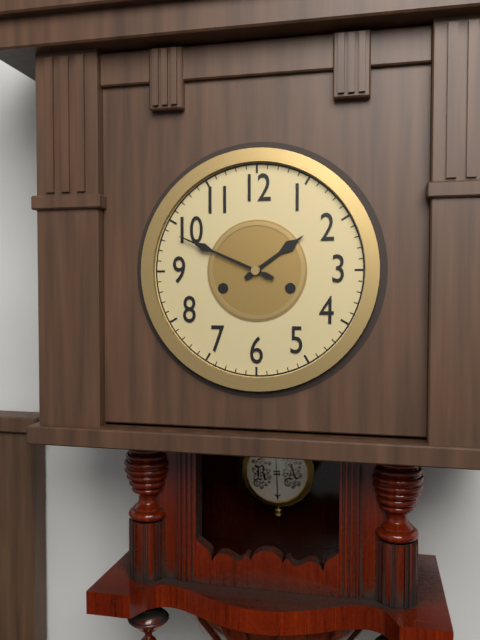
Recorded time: 1:49
